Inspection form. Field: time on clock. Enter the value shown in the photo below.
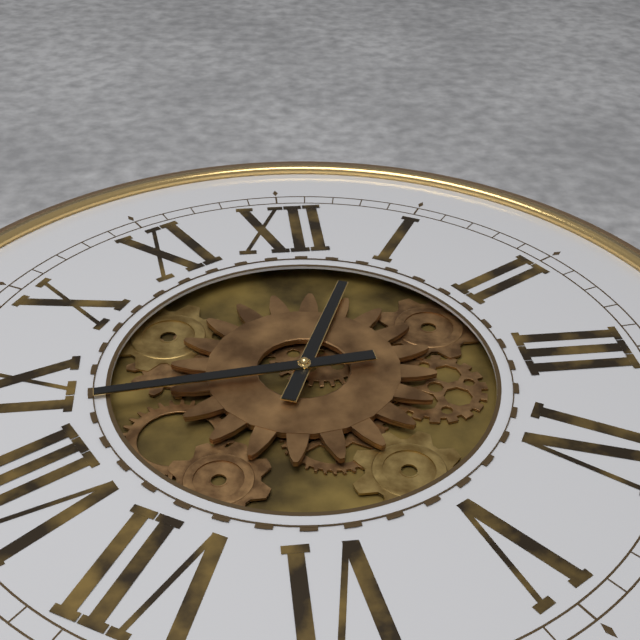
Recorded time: 12:44
